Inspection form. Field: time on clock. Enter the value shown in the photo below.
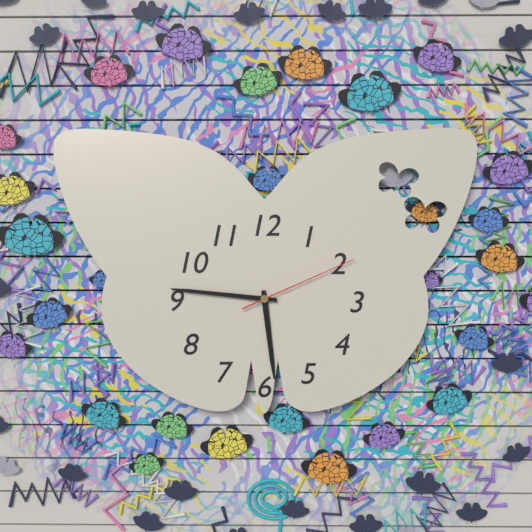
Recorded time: 5:46:11
